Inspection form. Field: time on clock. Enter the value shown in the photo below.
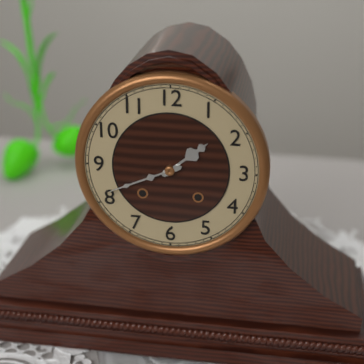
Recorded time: 1:41
